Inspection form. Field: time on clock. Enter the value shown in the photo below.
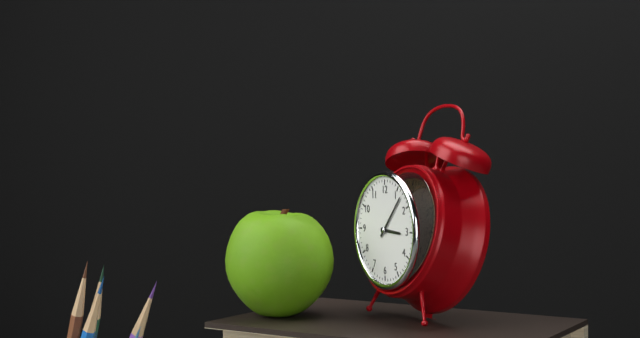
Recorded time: 3:07
